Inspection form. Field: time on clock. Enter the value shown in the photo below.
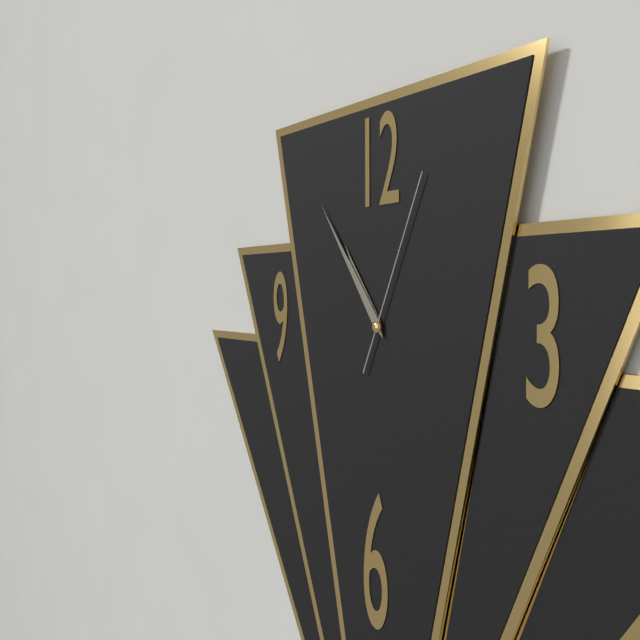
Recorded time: 10:54:04
